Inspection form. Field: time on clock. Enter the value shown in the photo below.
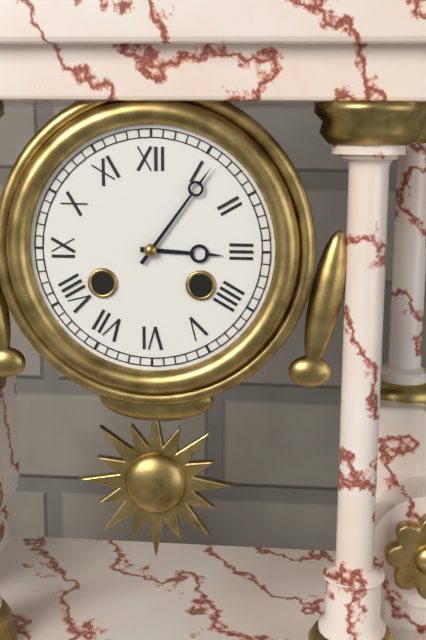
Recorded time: 3:06
